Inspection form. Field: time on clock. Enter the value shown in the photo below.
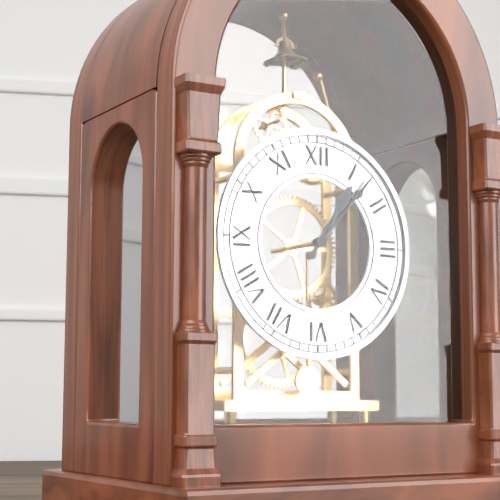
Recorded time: 1:07
